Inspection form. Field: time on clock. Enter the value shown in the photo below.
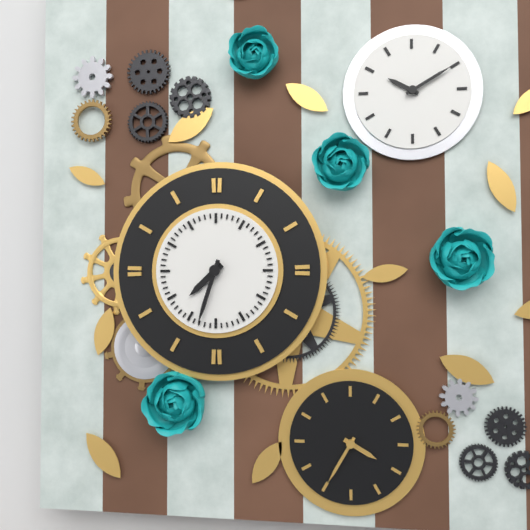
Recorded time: 7:33
